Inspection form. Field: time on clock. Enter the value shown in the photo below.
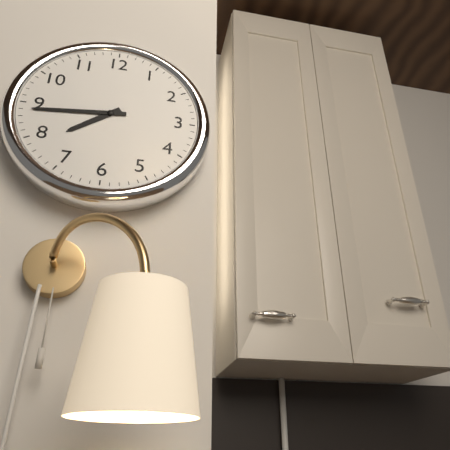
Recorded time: 7:44
